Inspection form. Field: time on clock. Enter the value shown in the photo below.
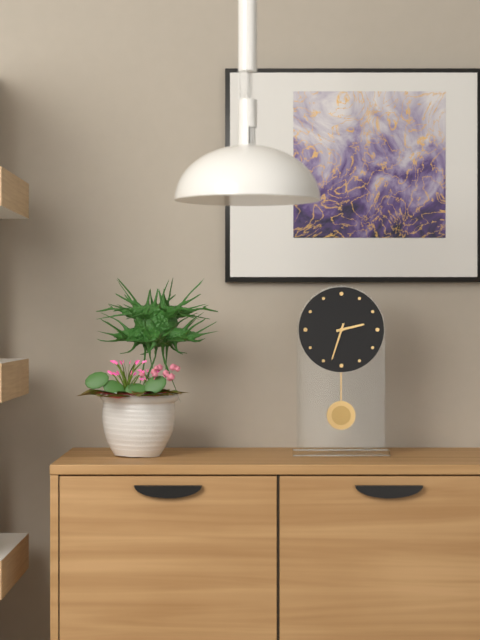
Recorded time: 2:33
